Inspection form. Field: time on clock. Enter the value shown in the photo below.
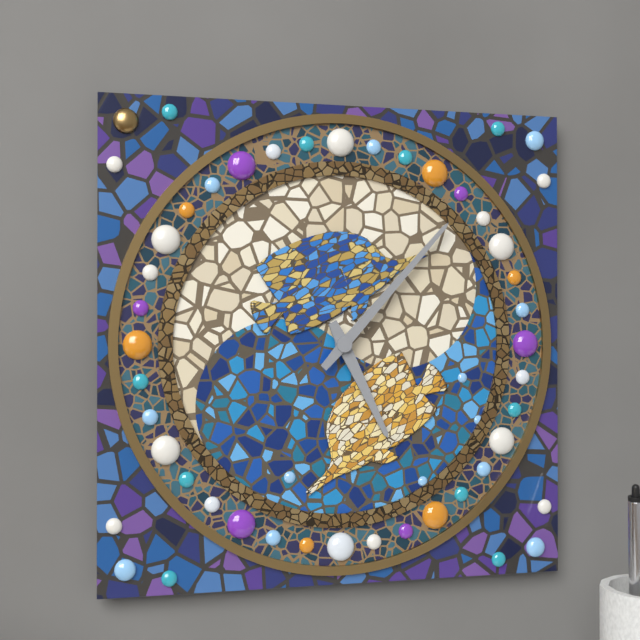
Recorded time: 5:07
